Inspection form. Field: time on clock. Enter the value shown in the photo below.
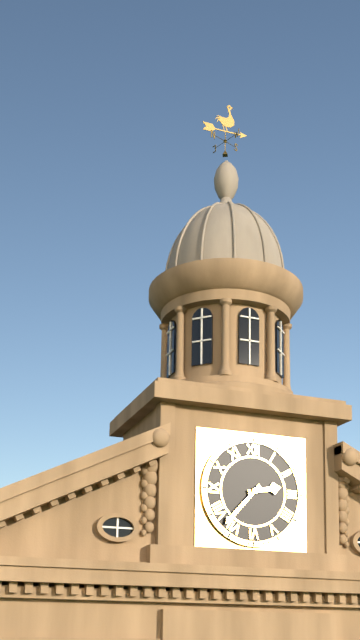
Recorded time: 2:37
